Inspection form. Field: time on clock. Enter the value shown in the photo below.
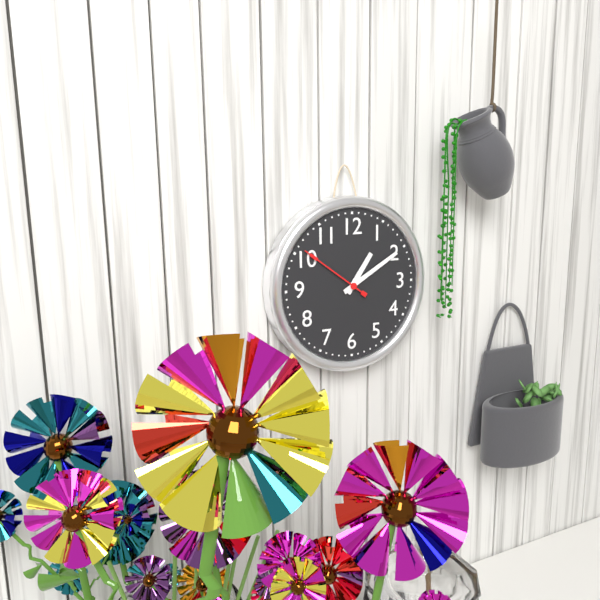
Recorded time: 1:10:51
